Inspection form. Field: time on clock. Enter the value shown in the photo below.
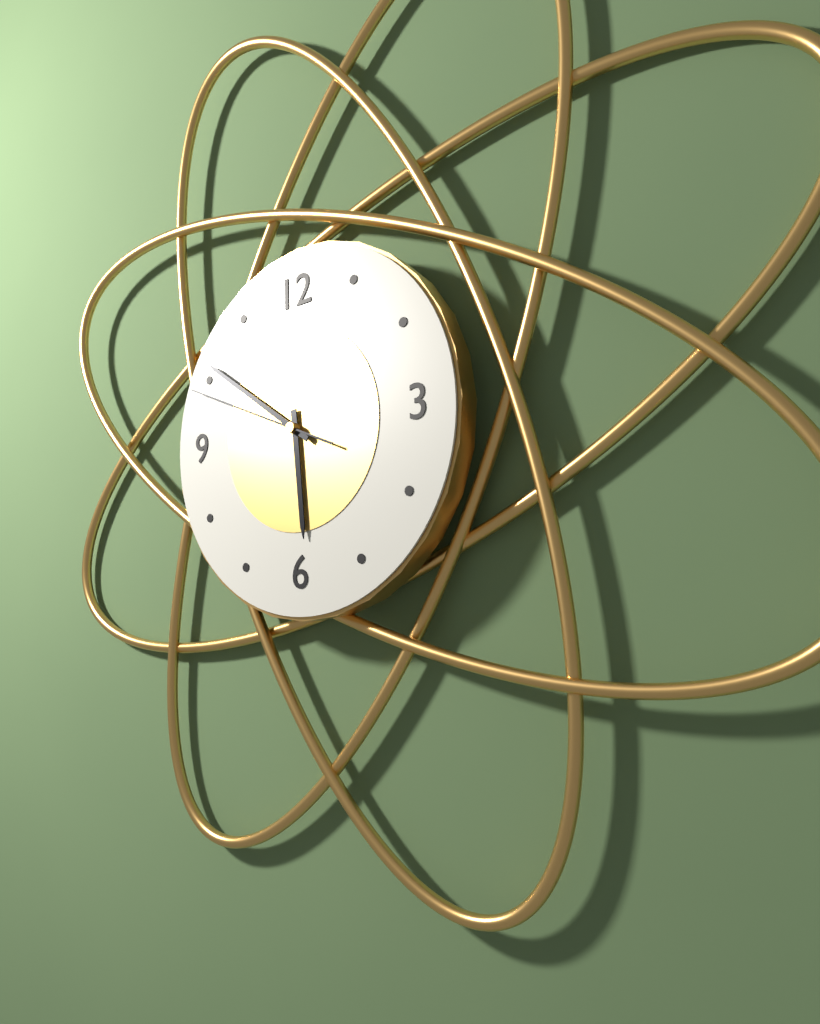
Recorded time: 5:51:49
